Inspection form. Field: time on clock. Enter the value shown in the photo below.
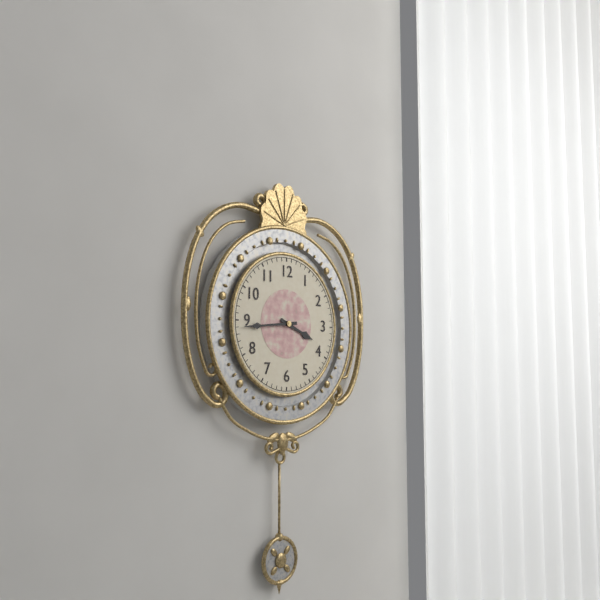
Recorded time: 3:44
